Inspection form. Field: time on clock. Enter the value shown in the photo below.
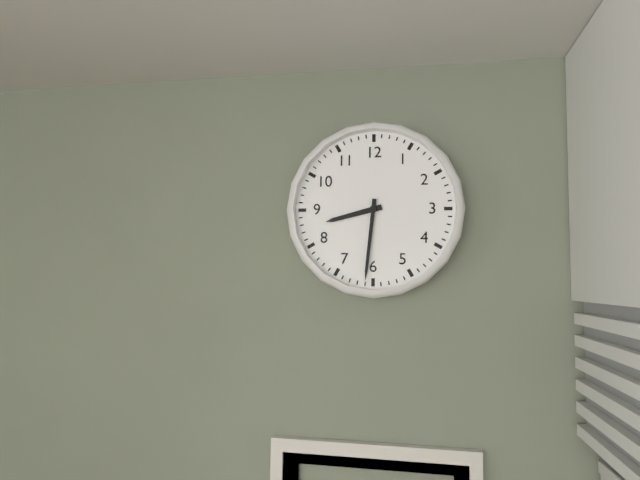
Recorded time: 8:31
